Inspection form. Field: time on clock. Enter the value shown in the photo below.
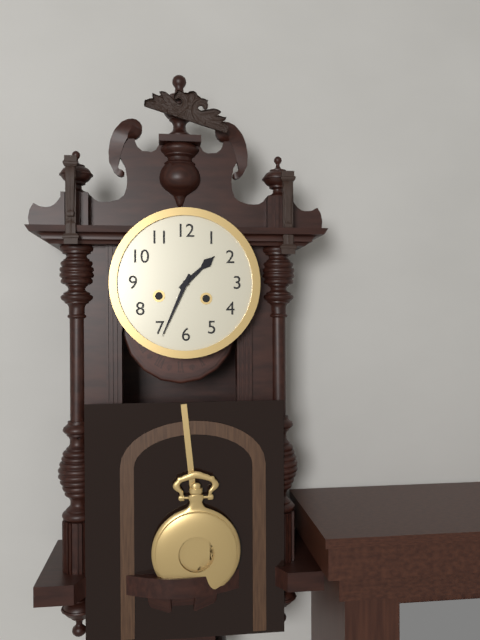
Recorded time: 1:34
